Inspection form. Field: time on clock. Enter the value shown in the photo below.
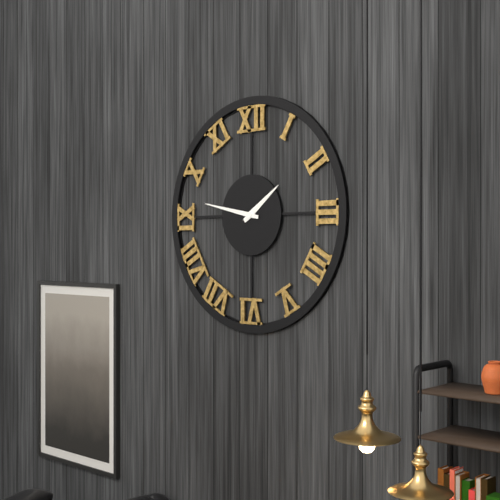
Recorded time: 1:47
